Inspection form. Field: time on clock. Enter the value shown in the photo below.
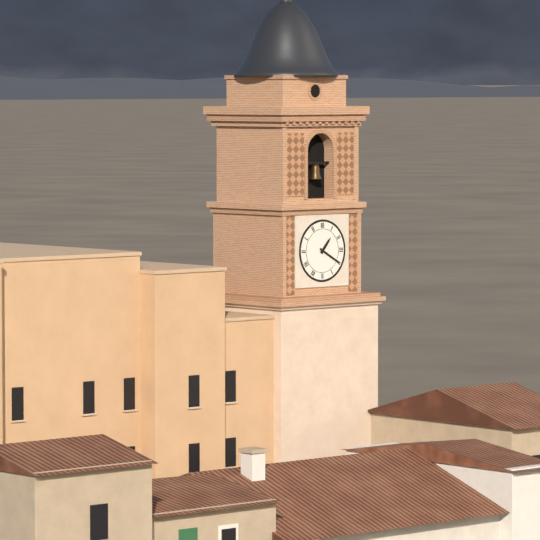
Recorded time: 1:20
